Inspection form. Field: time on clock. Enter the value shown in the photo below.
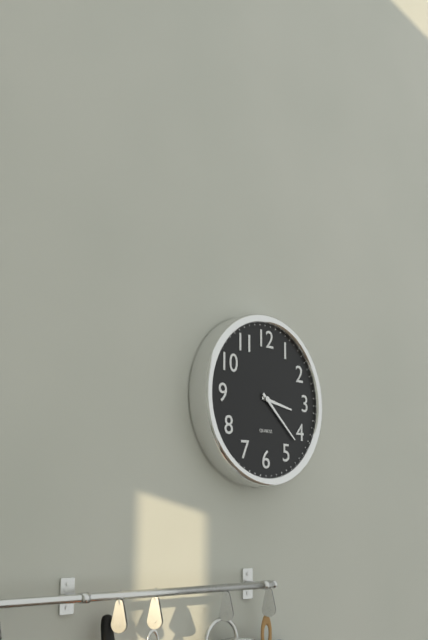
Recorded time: 3:22
